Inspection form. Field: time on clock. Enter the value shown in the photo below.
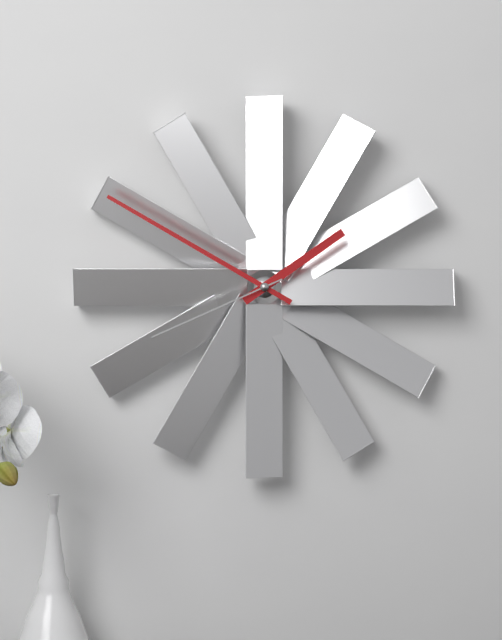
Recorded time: 1:50:41
